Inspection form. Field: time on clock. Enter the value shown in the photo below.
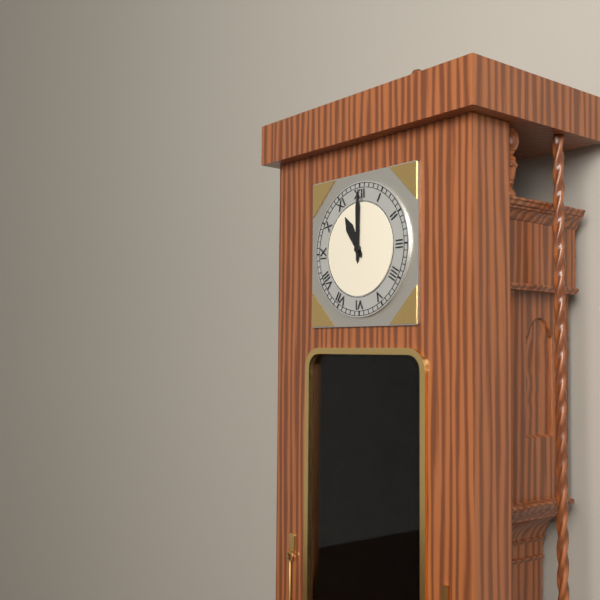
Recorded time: 11:00
